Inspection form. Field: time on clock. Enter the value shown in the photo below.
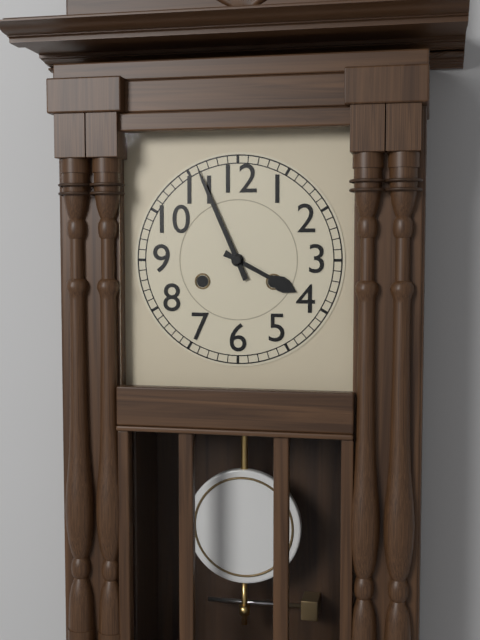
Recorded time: 3:56
